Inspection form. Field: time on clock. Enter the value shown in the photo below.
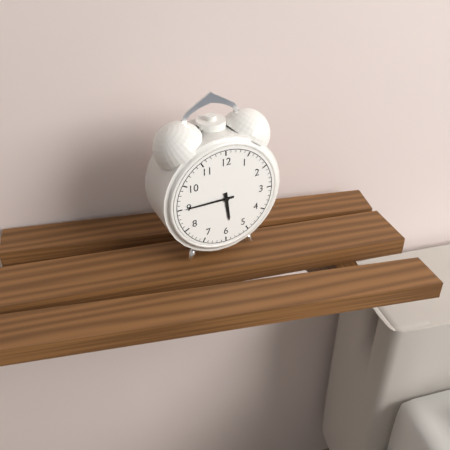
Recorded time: 5:45
